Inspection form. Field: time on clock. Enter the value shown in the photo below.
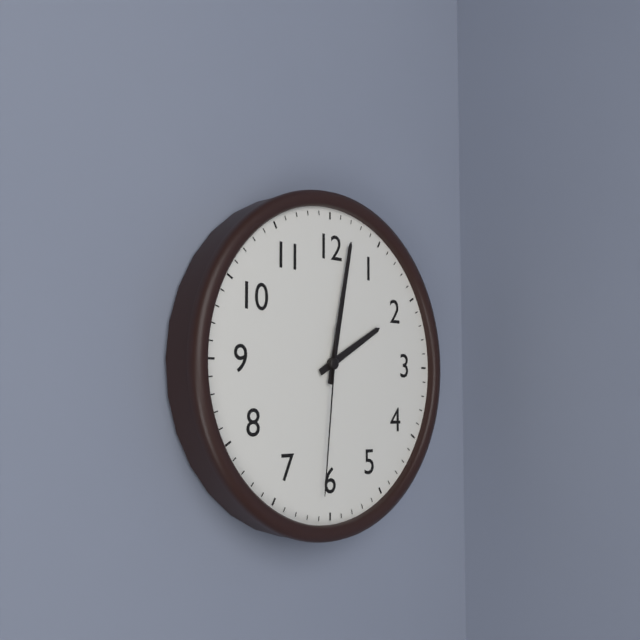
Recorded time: 2:02:31
